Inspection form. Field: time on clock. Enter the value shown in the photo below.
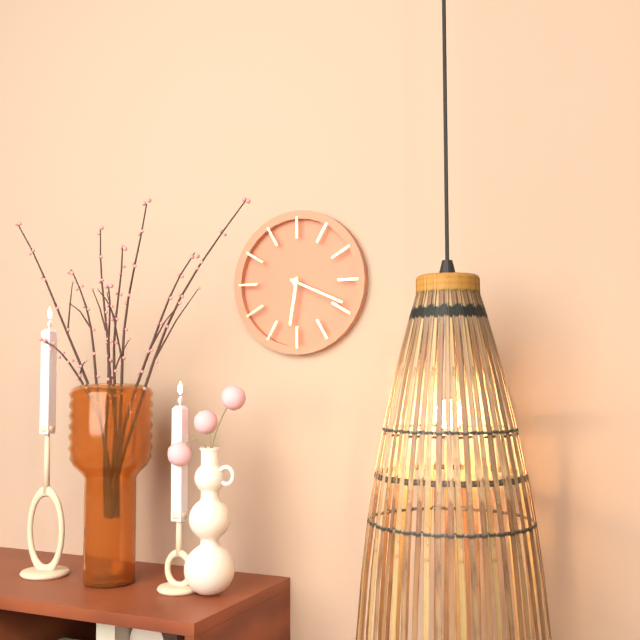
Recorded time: 6:19
